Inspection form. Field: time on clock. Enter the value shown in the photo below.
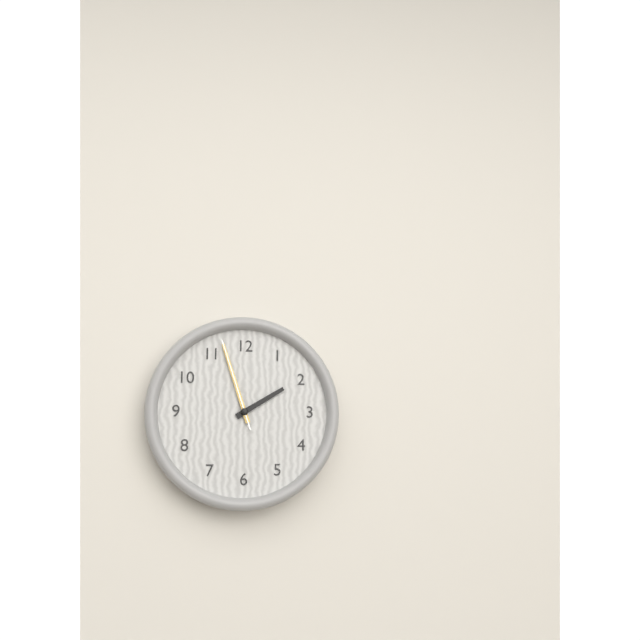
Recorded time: 1:57:57
